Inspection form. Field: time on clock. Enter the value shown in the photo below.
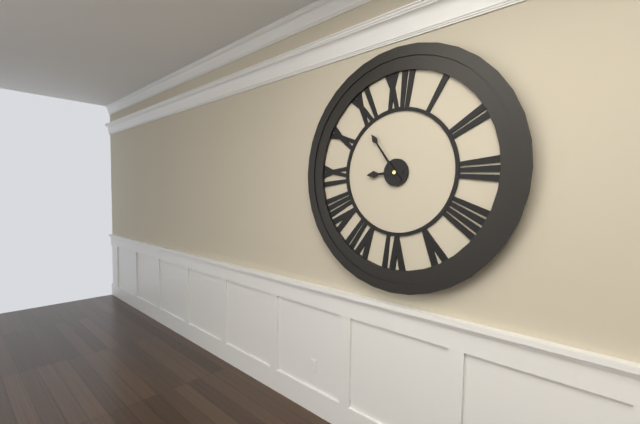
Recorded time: 8:54
